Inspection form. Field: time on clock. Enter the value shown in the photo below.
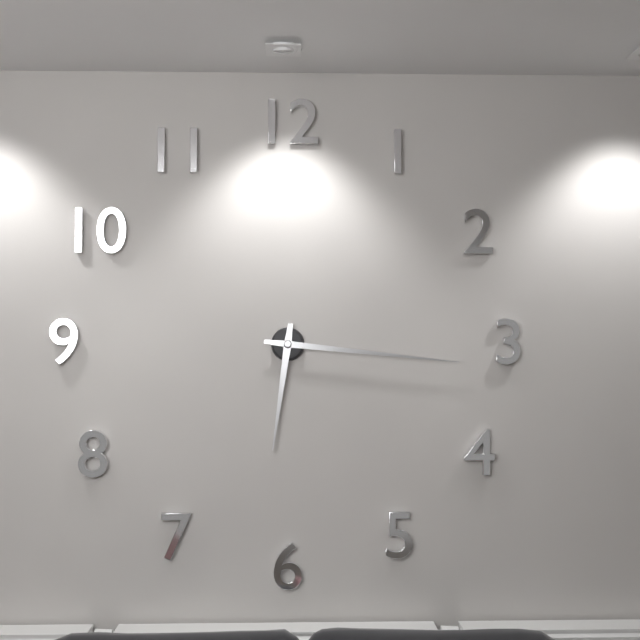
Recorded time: 6:16
